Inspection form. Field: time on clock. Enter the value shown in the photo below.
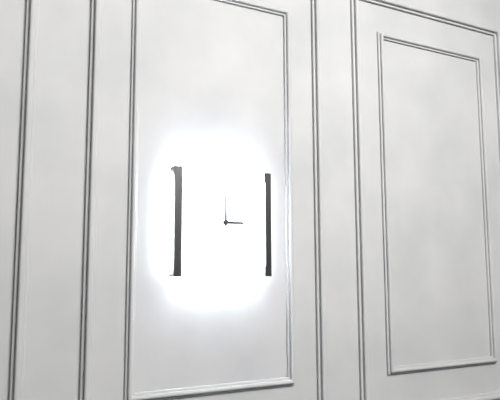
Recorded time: 3:00
